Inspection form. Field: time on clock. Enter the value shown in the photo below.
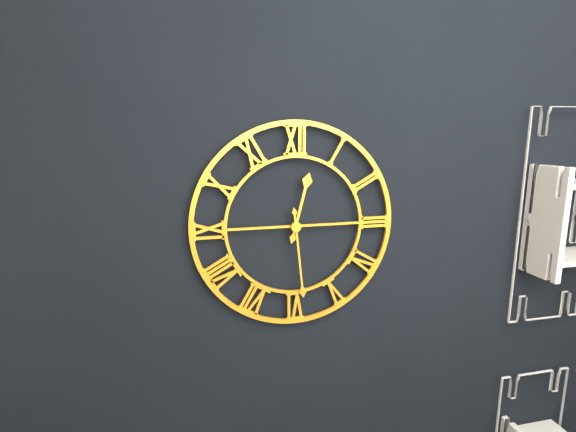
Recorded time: 12:29
